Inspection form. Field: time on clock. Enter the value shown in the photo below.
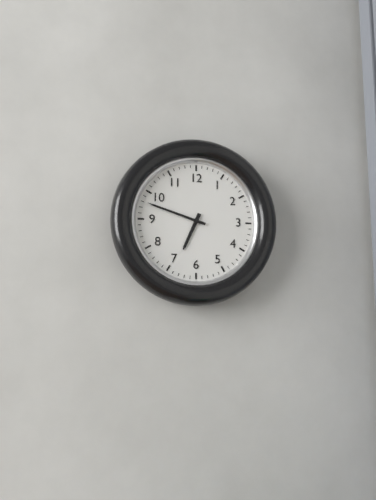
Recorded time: 6:48
